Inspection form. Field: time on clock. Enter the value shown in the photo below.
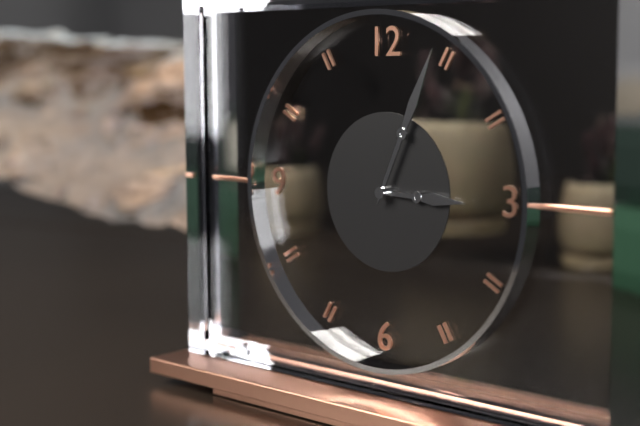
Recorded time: 3:04
